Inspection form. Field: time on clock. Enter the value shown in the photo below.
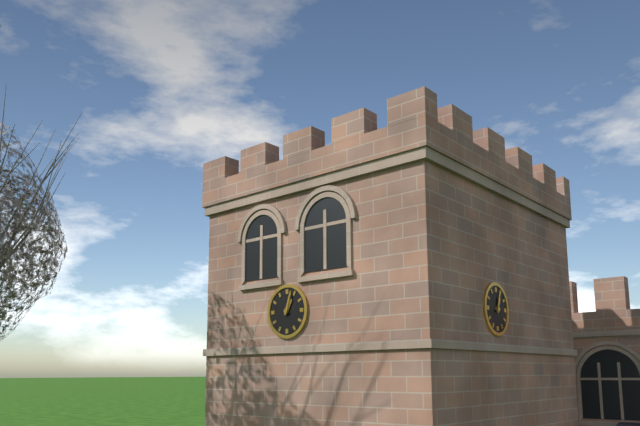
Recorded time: 1:03
